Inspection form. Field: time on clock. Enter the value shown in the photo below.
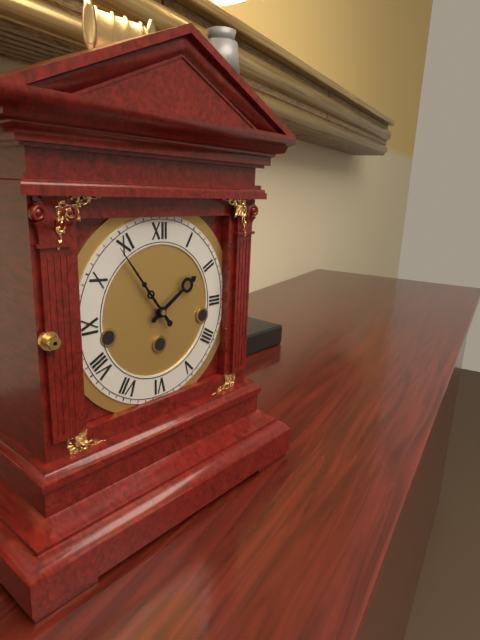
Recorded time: 1:54
